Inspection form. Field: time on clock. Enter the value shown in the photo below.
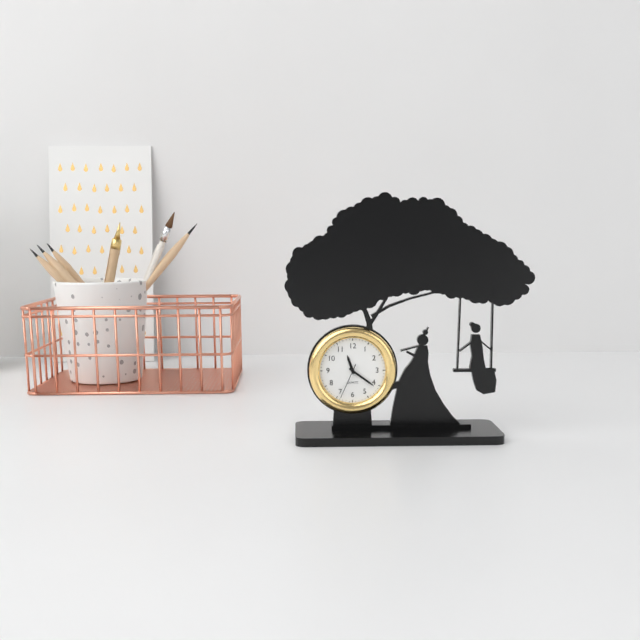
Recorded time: 11:21
